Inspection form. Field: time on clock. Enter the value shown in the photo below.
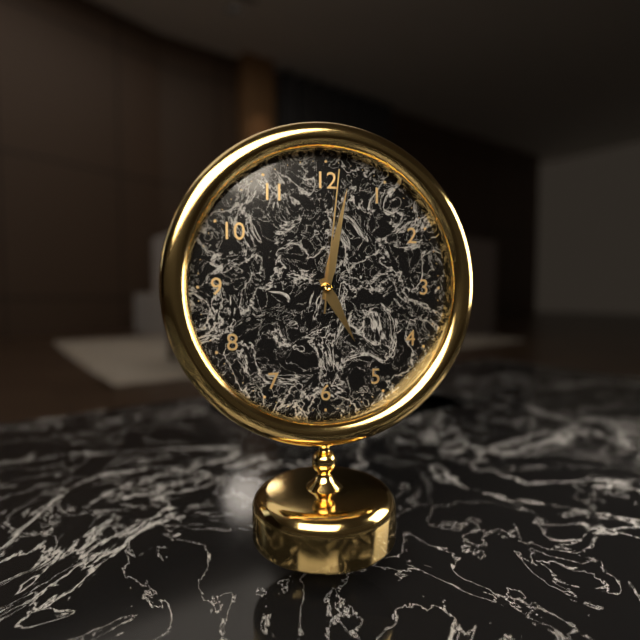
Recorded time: 5:02:01
